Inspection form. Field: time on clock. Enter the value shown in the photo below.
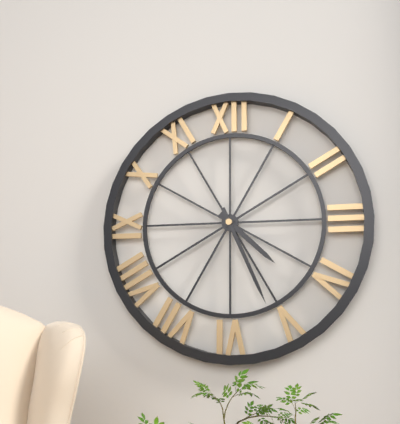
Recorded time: 4:26
